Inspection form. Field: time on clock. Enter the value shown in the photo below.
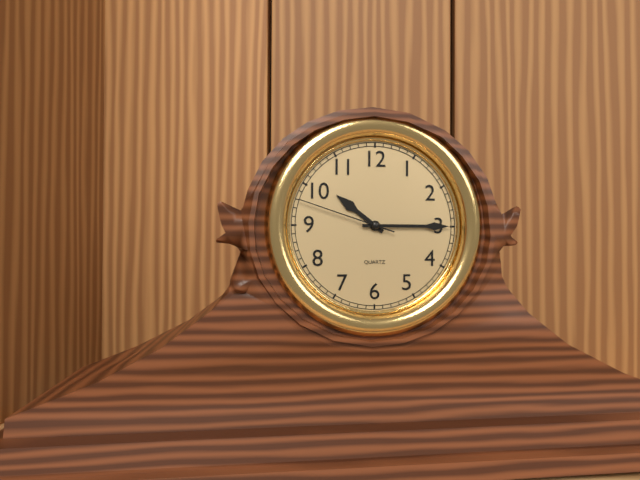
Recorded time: 10:15:48
